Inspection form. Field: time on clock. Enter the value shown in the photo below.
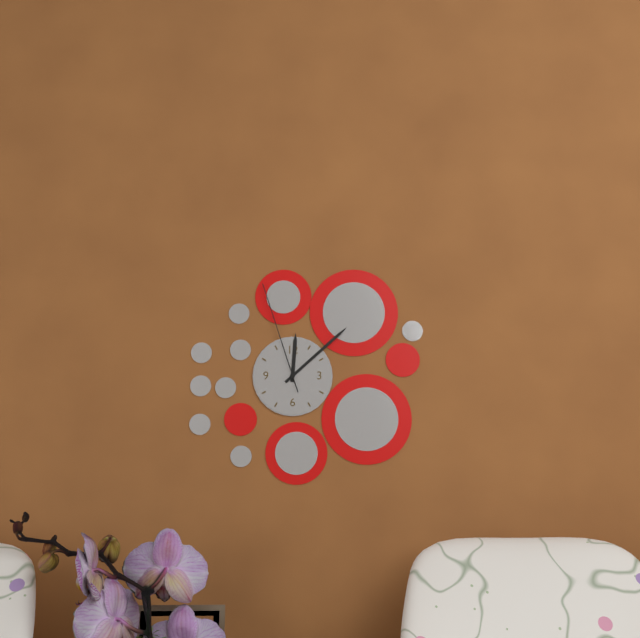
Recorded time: 12:08:57
